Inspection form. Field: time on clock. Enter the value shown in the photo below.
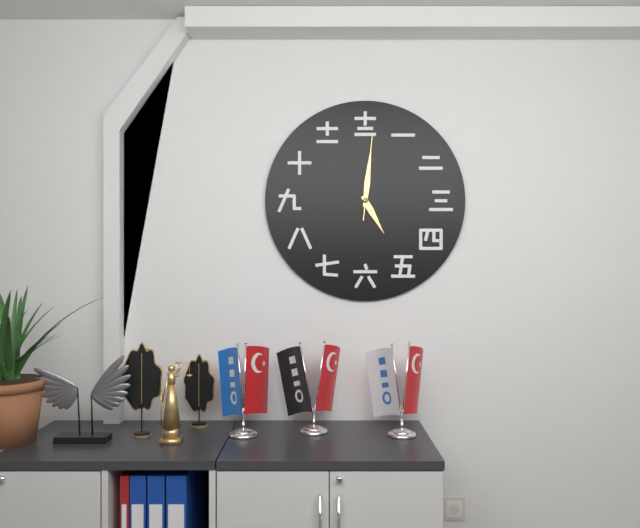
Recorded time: 5:01:01
